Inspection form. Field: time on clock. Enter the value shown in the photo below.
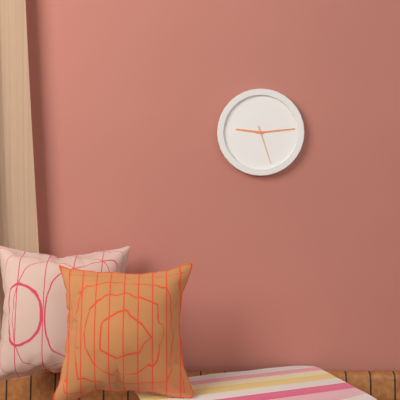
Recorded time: 9:14
